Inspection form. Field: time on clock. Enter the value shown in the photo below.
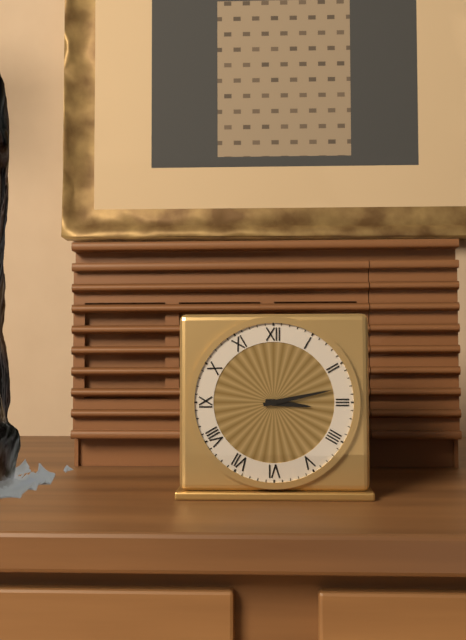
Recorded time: 3:13
